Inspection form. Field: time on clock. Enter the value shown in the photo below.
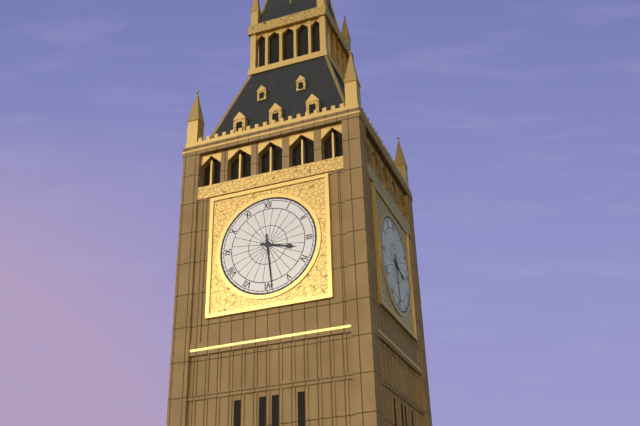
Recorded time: 3:29
